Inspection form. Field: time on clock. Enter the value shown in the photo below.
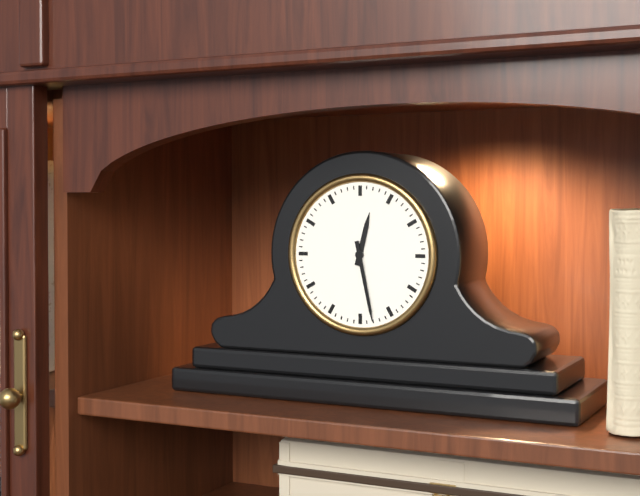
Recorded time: 12:28
